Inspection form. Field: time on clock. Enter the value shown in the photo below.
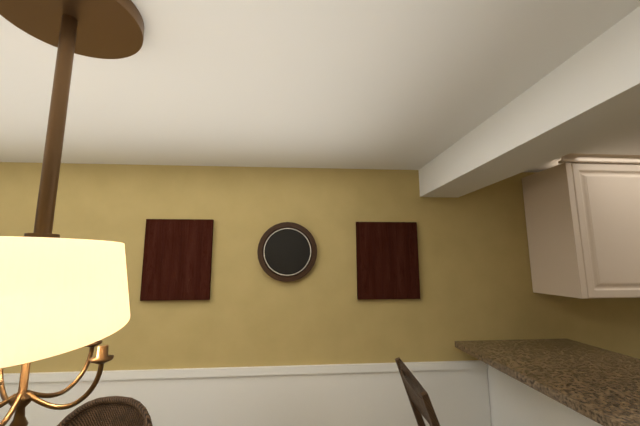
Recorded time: 6:43
